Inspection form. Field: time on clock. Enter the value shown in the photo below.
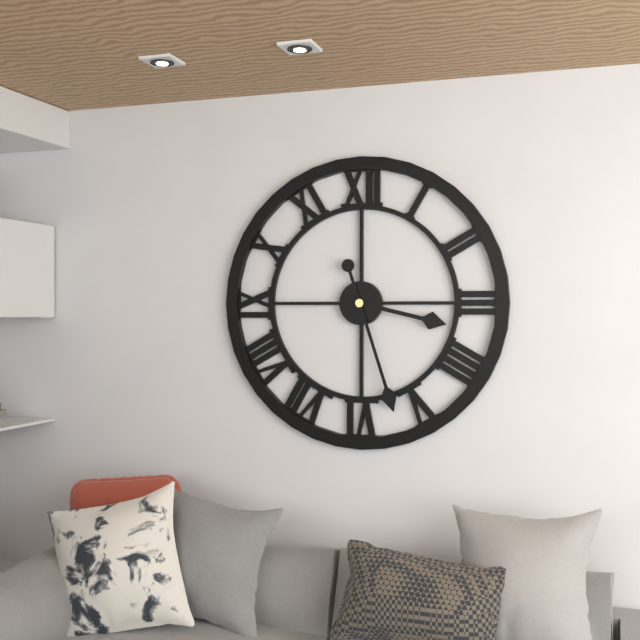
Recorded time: 3:27
